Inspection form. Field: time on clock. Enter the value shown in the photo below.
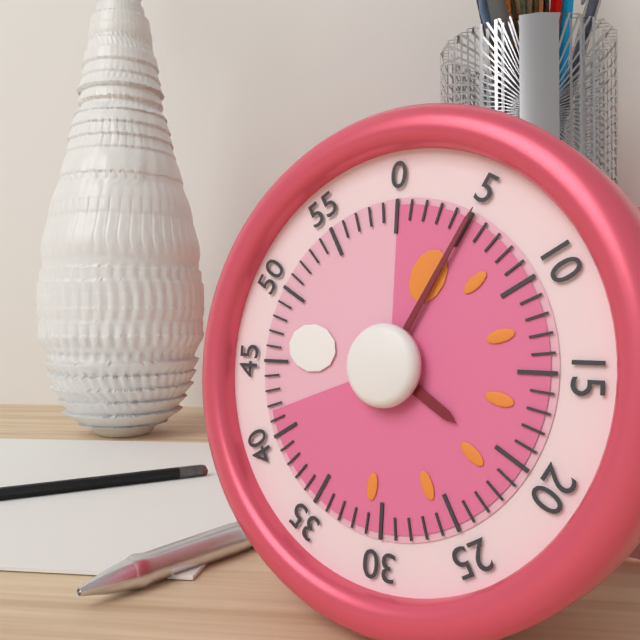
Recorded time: 4:05
